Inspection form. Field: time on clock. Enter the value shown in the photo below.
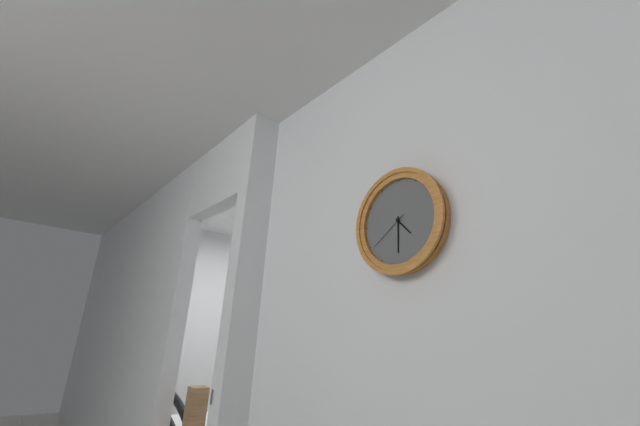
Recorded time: 4:30
